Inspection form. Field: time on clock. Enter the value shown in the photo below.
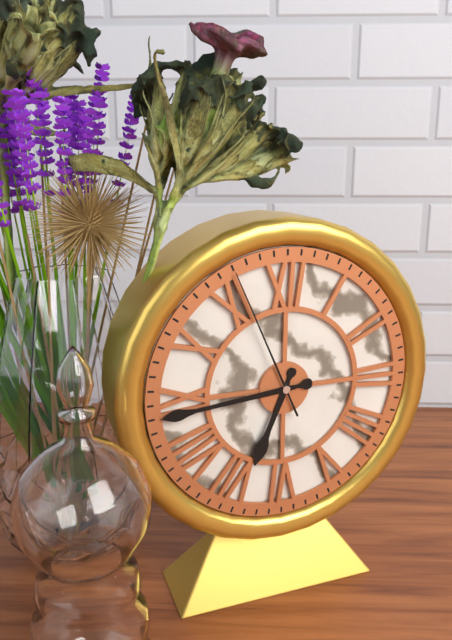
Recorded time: 6:44:56
